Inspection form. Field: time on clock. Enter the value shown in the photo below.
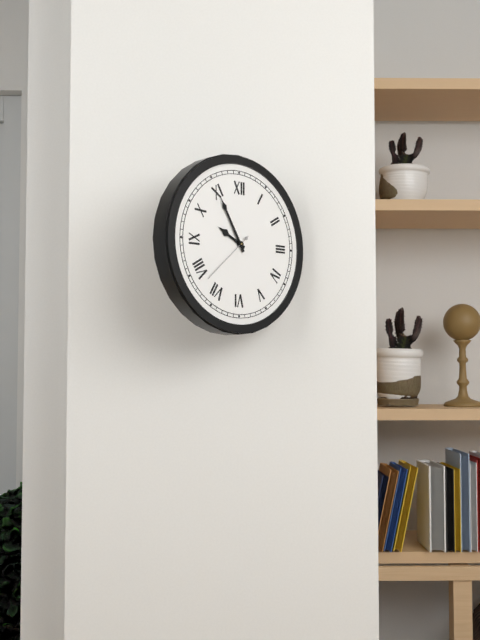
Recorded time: 9:55:38
